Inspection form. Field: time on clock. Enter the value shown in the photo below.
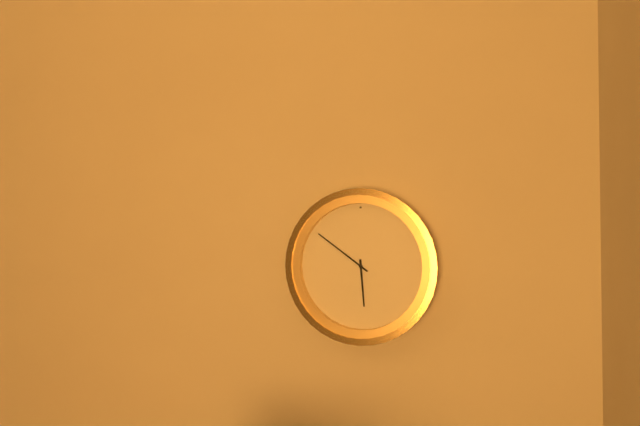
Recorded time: 5:51
